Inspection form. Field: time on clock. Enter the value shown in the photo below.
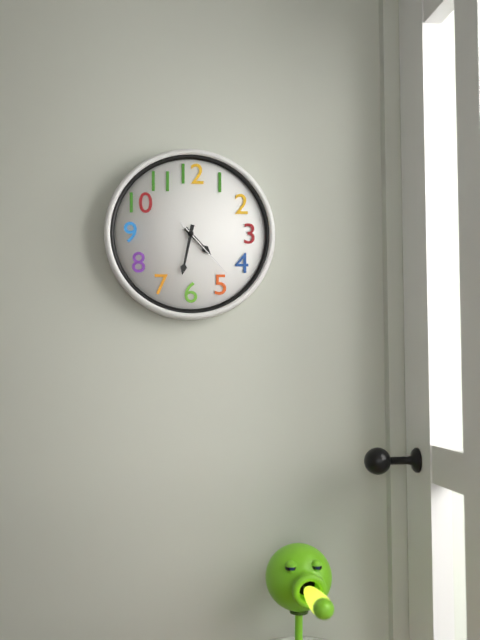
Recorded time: 4:32:23
